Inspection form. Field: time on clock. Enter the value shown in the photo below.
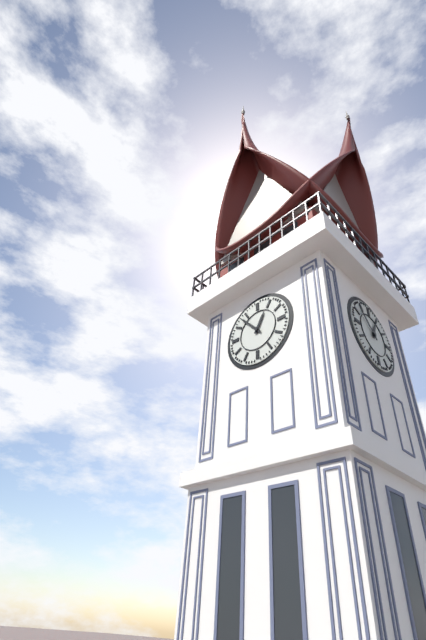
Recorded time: 12:53
